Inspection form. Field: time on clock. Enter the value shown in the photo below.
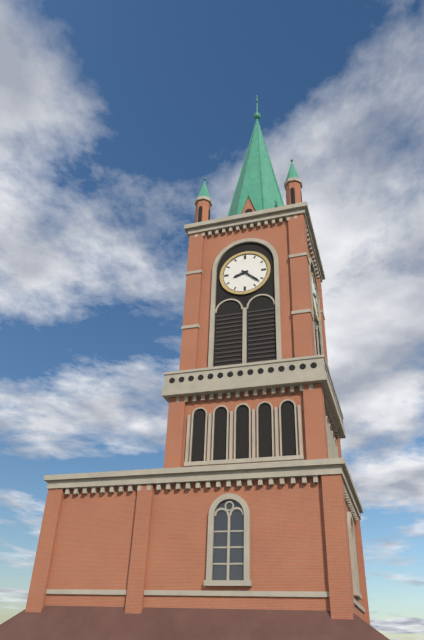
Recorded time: 8:22
